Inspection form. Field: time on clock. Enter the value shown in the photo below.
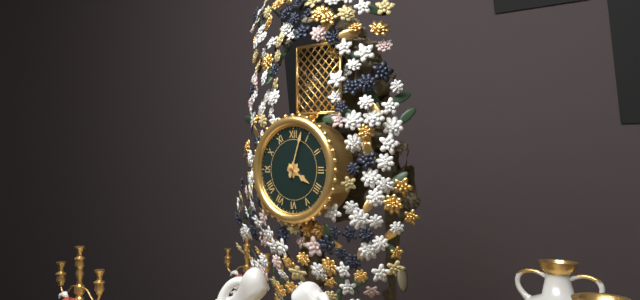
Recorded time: 4:03
